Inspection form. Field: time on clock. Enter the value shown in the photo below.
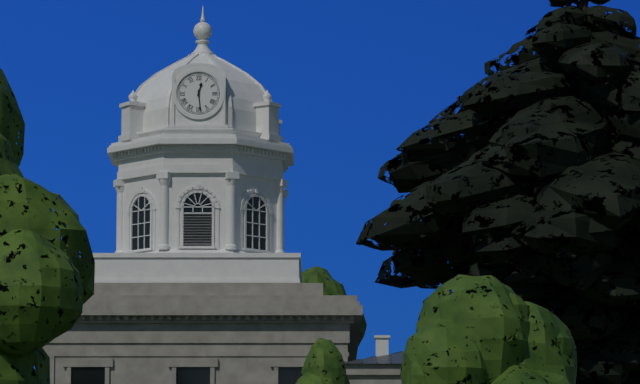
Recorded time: 12:29
